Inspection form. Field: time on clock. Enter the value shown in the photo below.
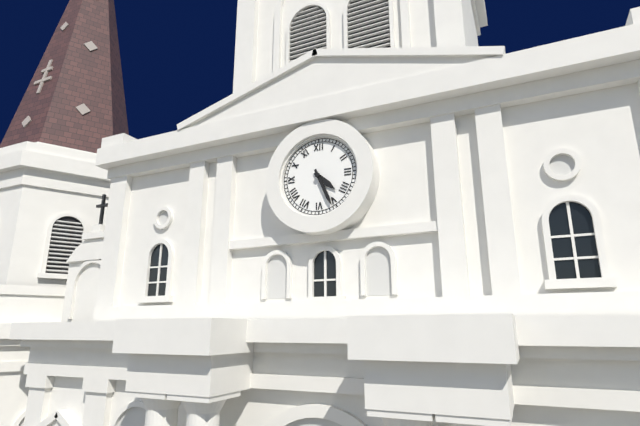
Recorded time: 4:26
